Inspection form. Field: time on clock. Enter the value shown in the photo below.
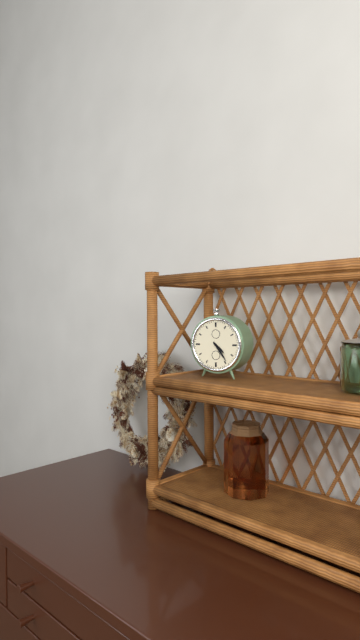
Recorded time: 4:24
